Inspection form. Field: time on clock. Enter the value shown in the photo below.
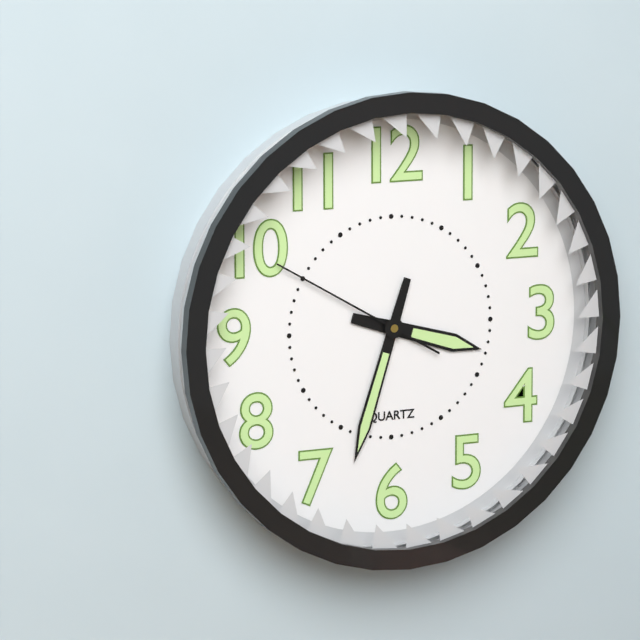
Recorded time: 3:33:50
